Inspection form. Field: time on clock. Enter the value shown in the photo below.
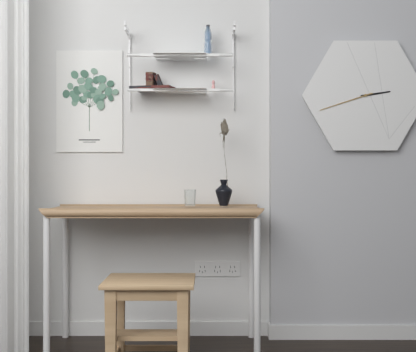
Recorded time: 2:42
